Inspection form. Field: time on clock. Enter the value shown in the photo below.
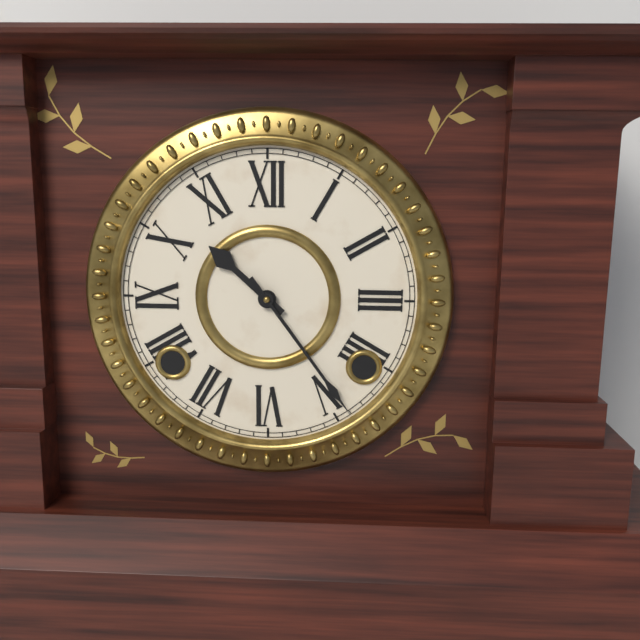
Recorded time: 10:24
